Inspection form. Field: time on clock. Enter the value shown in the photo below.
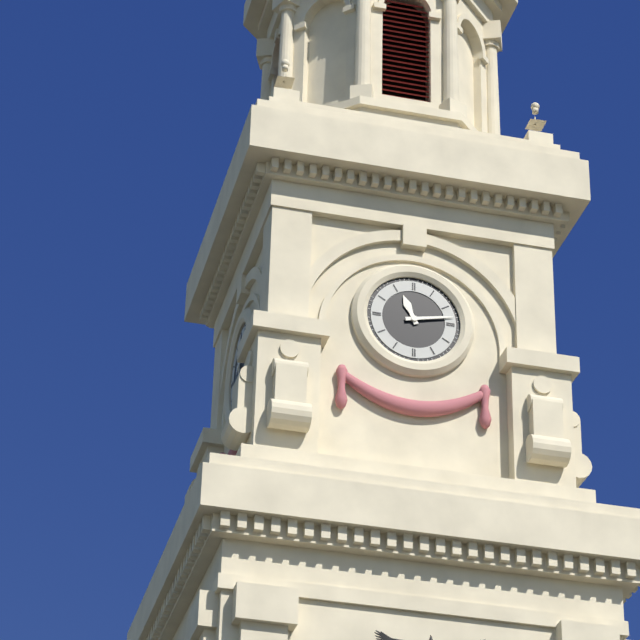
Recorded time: 11:13
